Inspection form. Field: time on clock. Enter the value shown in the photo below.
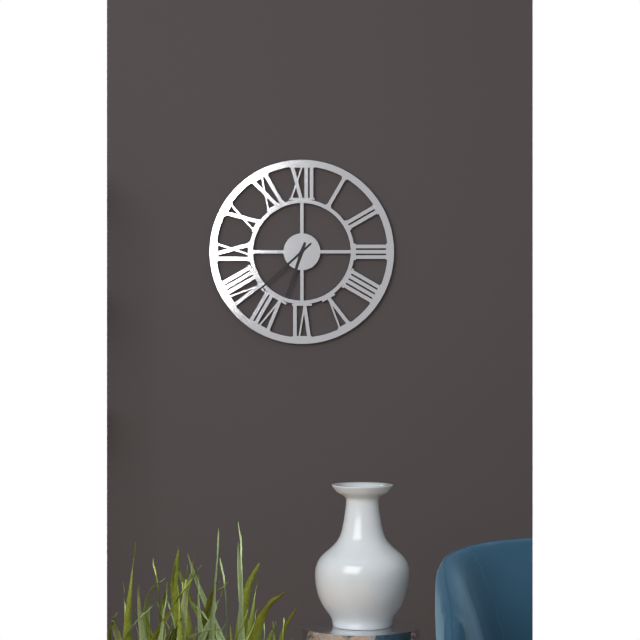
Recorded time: 6:38
